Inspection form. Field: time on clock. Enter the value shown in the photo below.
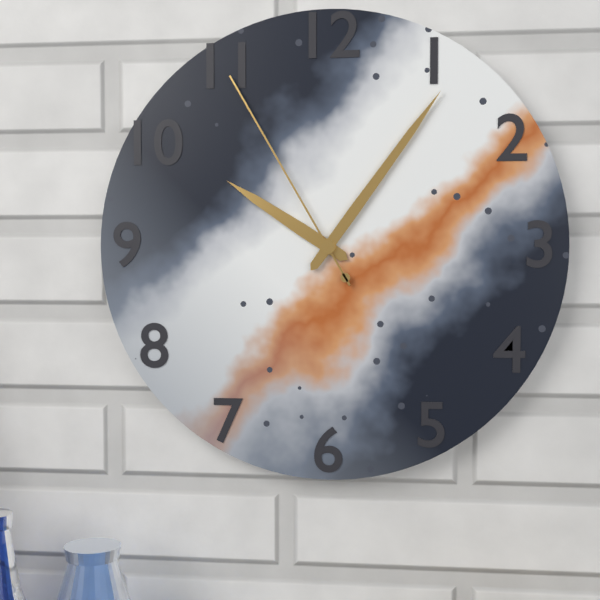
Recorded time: 10:06:55
